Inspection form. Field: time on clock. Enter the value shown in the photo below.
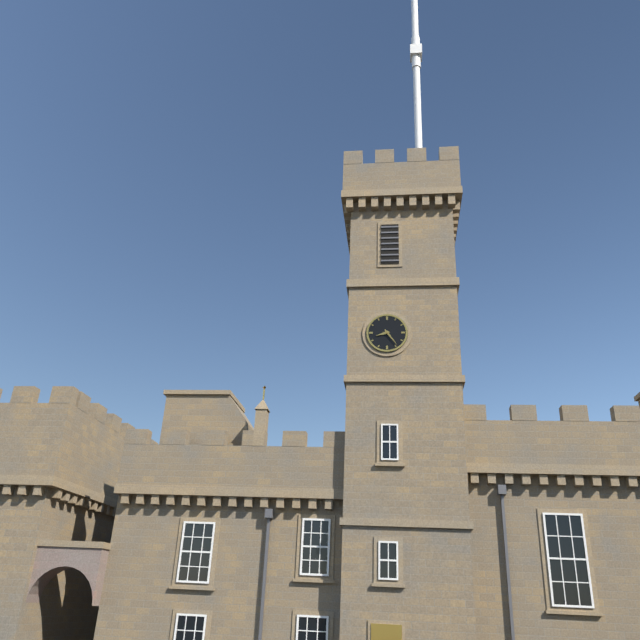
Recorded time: 8:24
